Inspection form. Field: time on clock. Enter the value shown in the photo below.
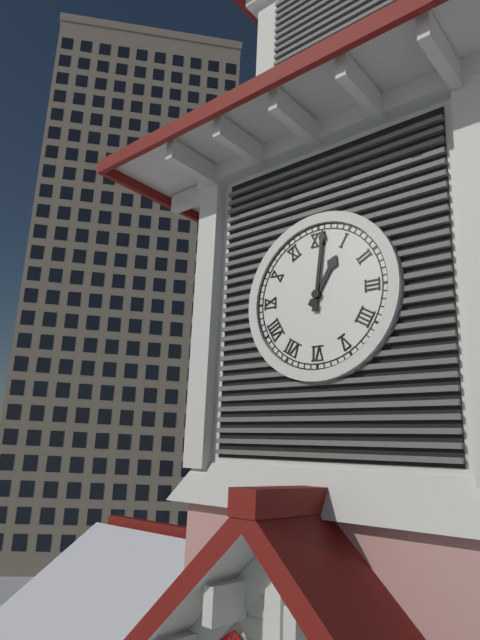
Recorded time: 1:01
